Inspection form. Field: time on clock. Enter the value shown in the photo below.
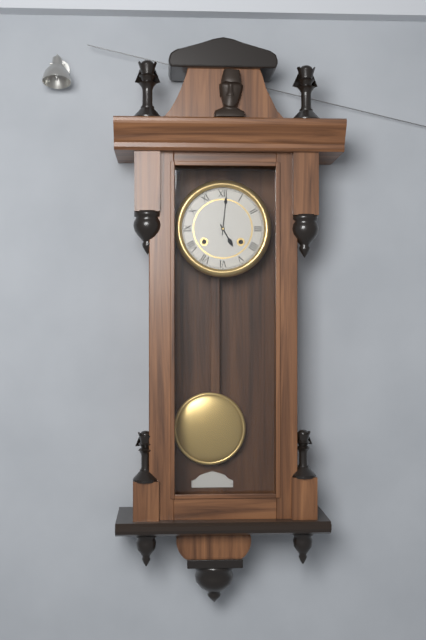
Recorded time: 5:01
